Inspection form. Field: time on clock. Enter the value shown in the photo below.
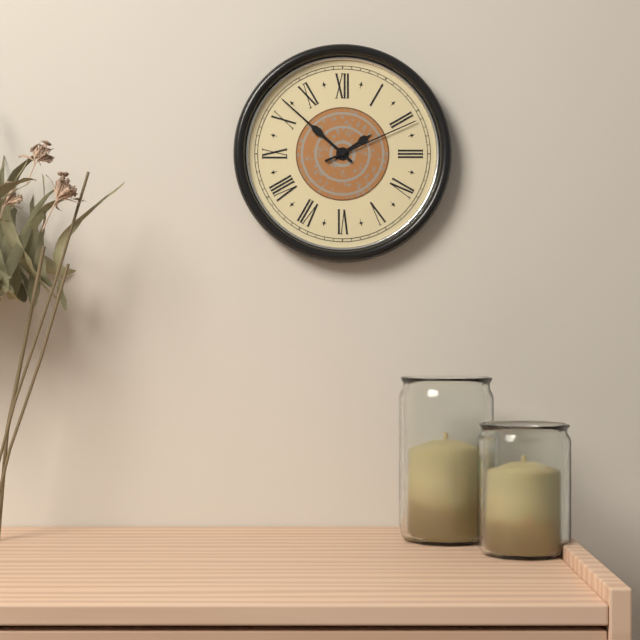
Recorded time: 1:52:11
